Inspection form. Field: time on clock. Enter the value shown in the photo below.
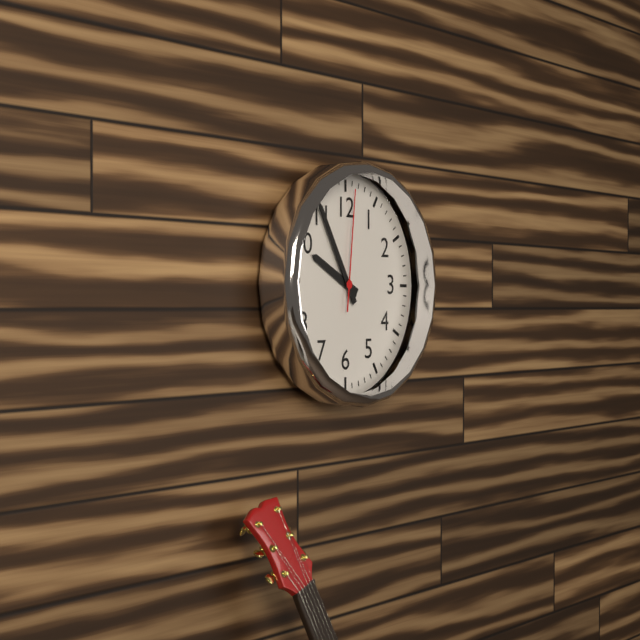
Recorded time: 9:55:01
